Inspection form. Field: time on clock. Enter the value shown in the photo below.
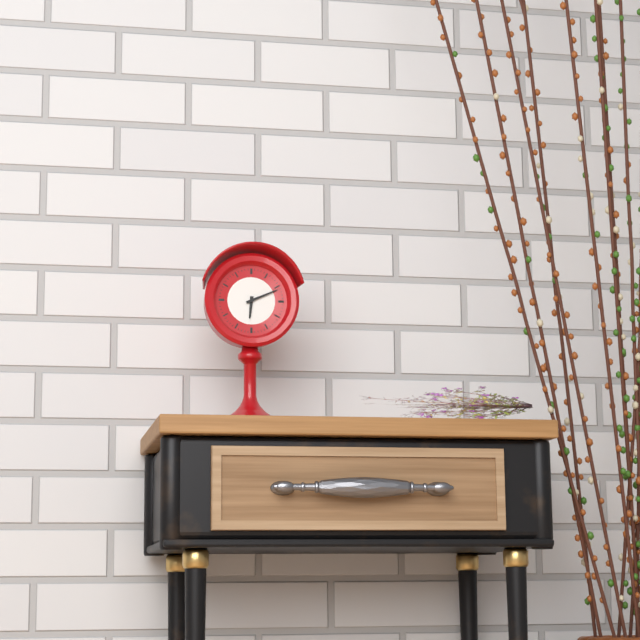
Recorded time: 6:11
